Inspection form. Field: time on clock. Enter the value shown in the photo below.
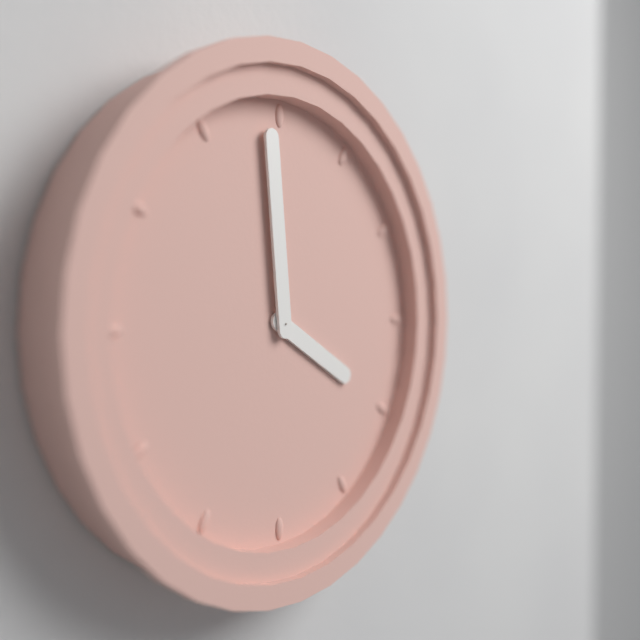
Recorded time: 3:59
